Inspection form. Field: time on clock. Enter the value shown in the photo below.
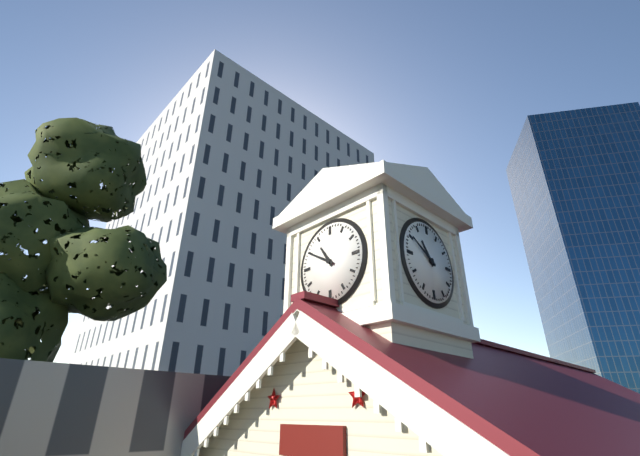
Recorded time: 10:50
